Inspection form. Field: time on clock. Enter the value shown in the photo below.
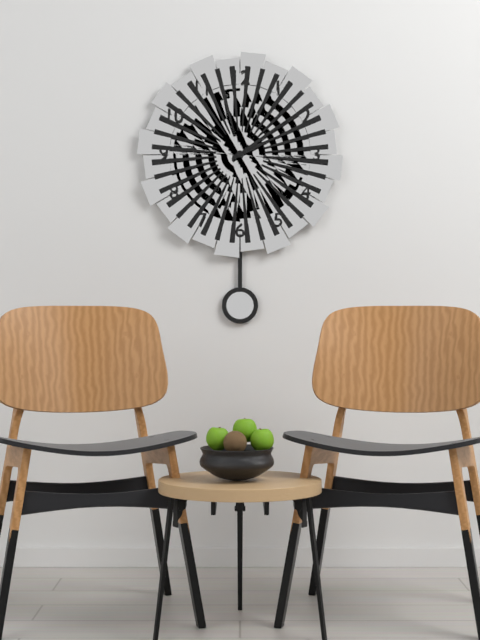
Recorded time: 2:09
